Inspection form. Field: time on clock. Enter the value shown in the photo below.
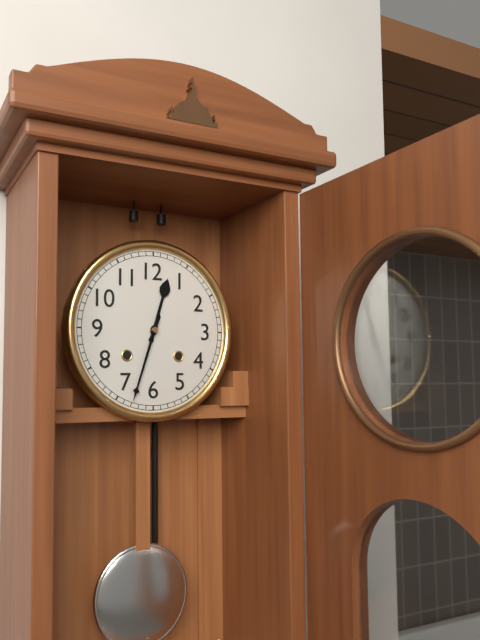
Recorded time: 12:33
